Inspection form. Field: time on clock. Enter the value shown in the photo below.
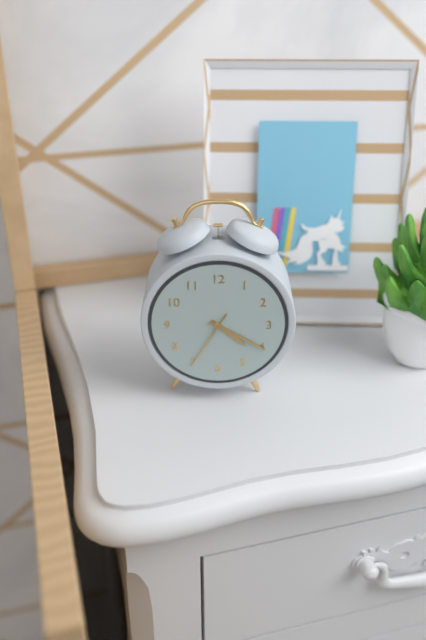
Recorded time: 4:20:35
